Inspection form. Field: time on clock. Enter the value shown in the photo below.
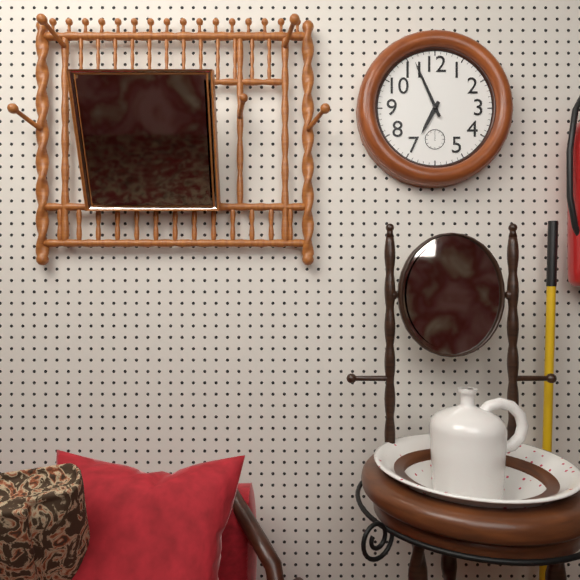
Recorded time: 6:56
